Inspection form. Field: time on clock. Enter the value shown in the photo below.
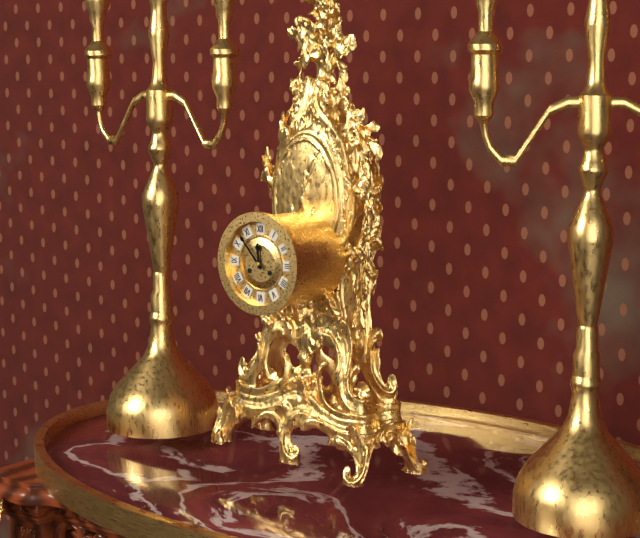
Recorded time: 11:53
